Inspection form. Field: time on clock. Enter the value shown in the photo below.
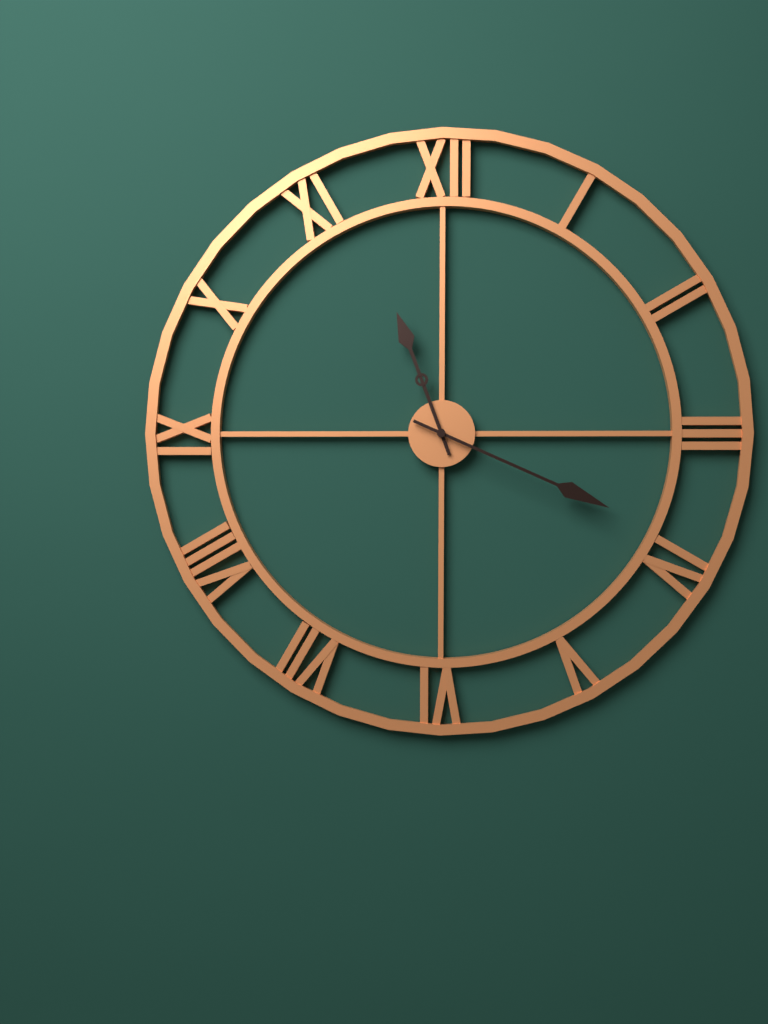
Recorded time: 11:19
